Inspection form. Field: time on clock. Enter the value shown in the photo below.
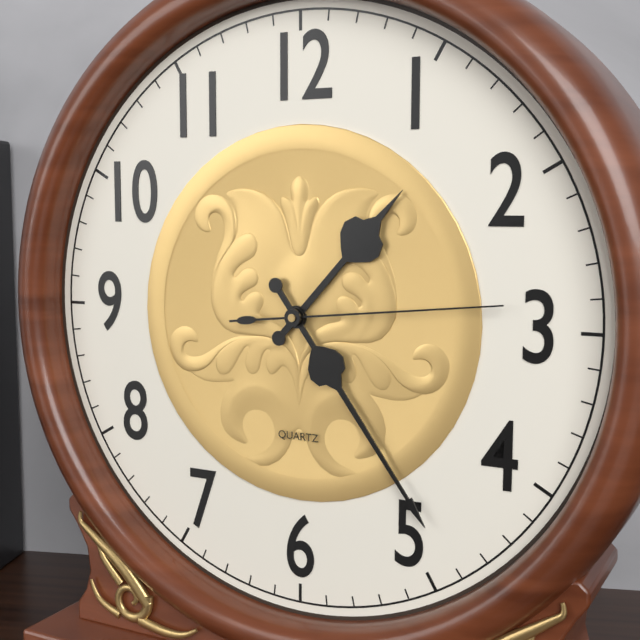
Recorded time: 1:24:14
